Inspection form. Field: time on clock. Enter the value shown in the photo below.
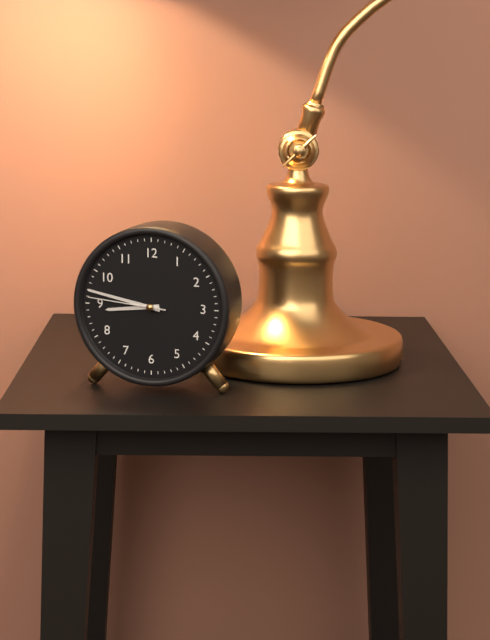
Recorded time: 8:47:46
